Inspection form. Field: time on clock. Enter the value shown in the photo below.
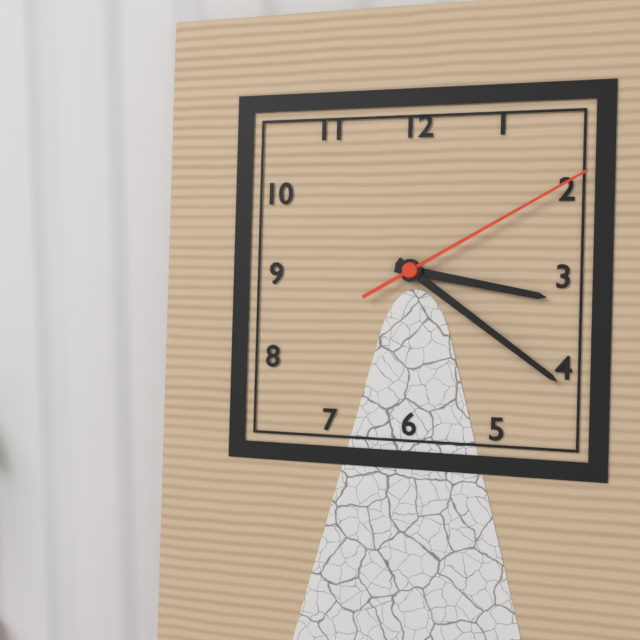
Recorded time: 3:21:10
